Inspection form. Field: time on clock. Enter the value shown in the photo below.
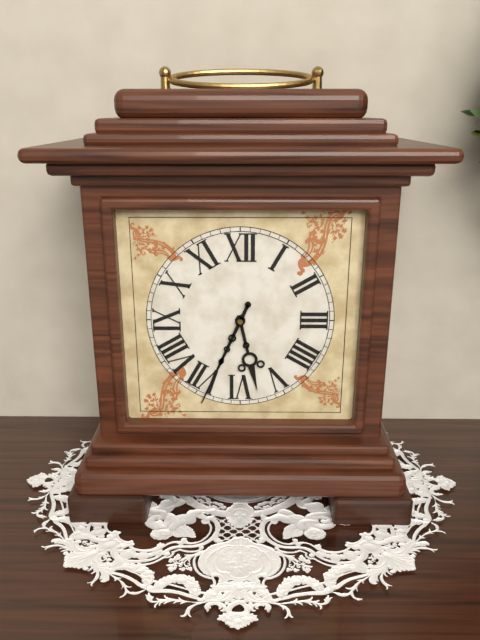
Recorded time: 5:34
